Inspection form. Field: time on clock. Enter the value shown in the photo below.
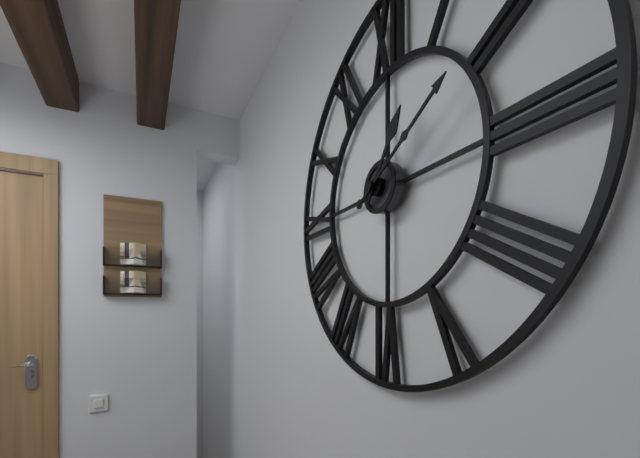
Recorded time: 1:10
